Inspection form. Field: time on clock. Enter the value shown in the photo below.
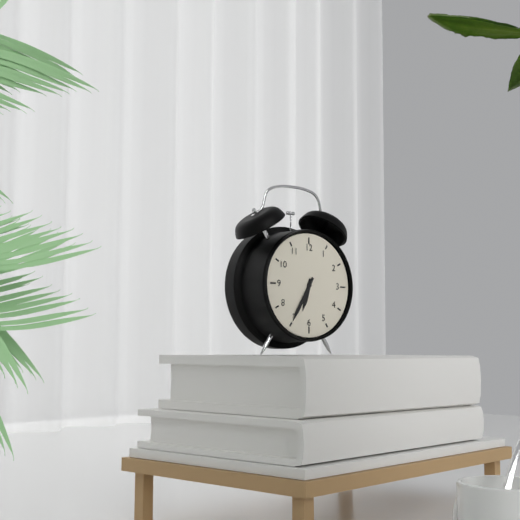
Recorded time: 6:35
